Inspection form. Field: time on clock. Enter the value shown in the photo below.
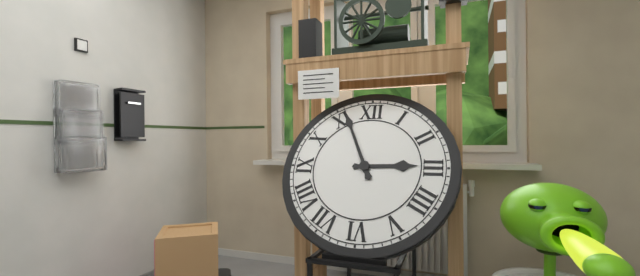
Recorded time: 2:56
